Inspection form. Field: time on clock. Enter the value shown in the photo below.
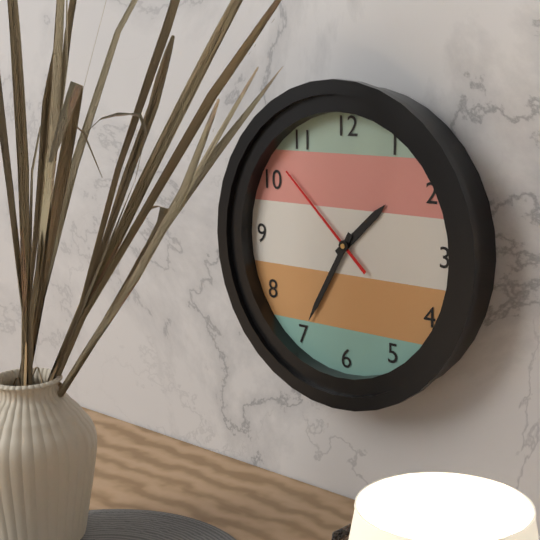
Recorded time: 1:35:52
